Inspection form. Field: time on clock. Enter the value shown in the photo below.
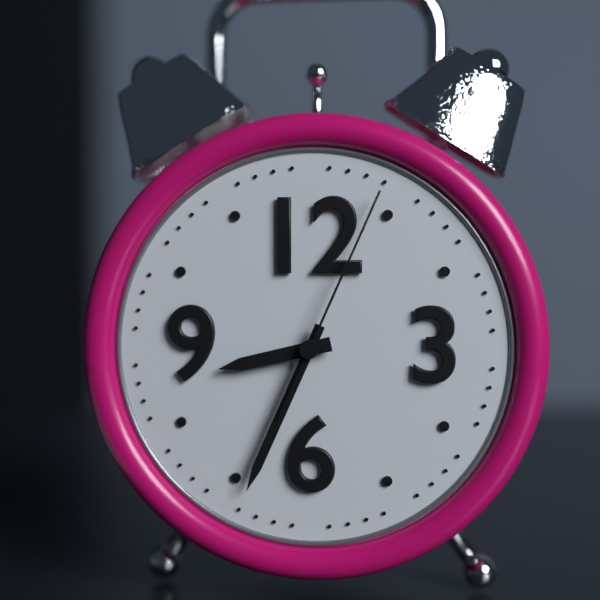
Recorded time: 8:34:04
